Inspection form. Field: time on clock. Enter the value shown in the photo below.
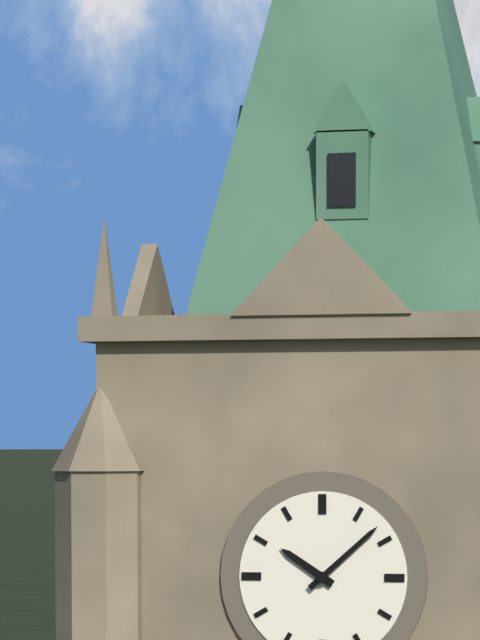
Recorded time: 10:08
